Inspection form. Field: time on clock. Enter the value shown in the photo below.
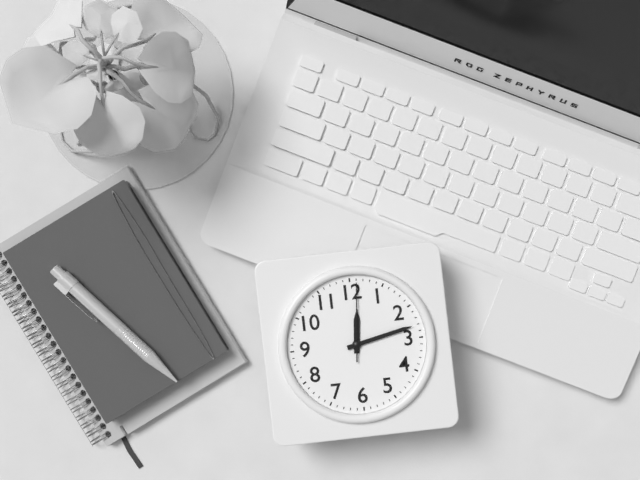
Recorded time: 12:13:01
